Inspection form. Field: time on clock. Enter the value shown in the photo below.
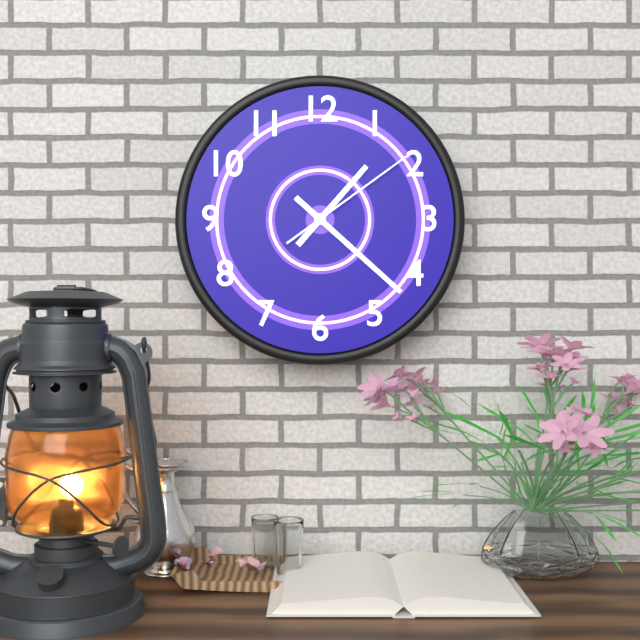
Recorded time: 1:22:09
